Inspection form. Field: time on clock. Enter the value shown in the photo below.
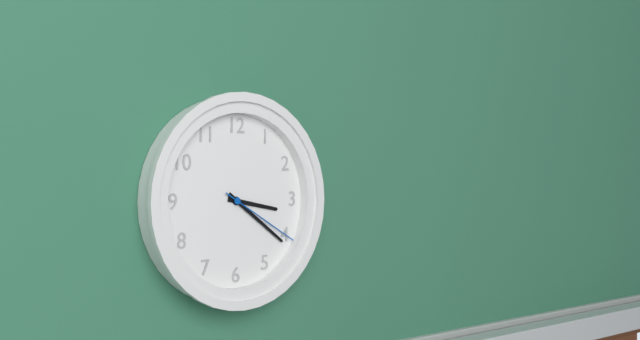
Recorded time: 3:21:20
